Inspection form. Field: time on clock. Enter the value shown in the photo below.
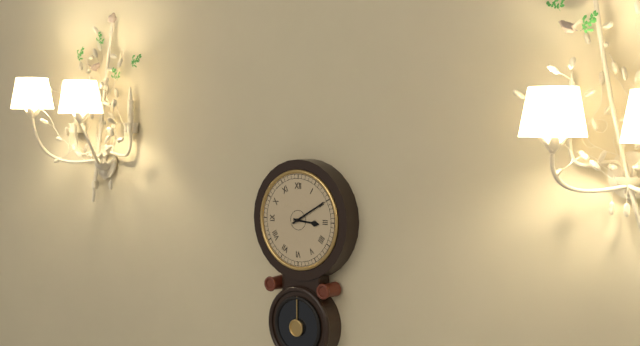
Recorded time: 3:10
